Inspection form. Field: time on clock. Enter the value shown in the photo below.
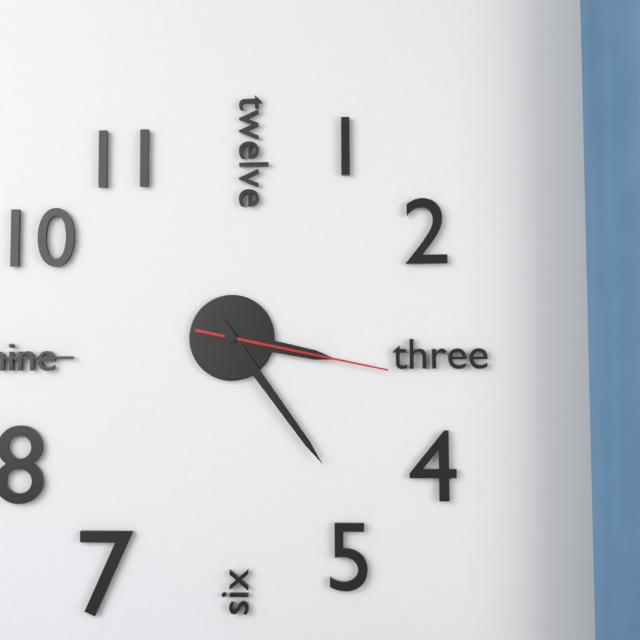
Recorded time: 3:24:17
